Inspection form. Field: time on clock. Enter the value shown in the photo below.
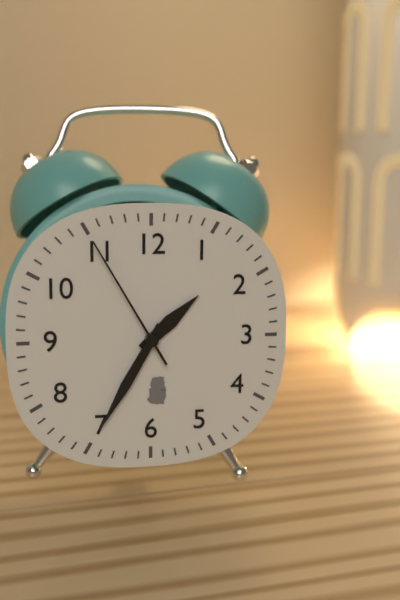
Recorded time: 1:35:55
